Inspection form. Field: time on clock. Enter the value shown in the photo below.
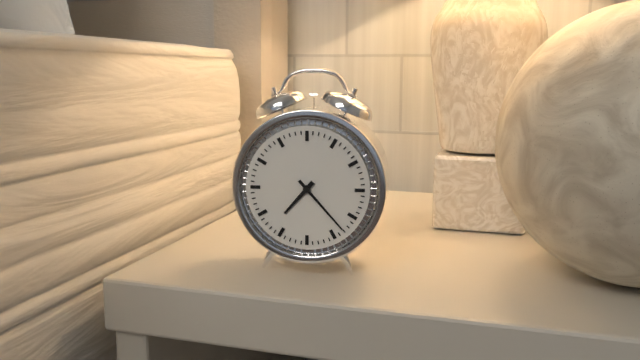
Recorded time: 7:23
